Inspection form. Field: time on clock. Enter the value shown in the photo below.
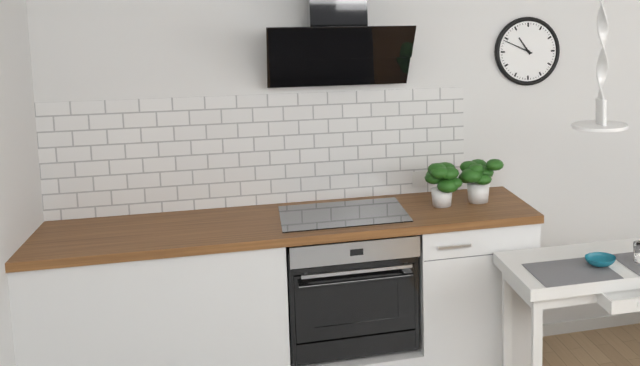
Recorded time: 10:49
